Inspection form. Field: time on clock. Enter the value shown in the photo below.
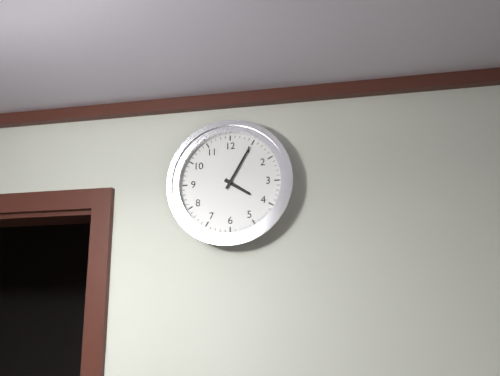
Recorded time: 4:05
